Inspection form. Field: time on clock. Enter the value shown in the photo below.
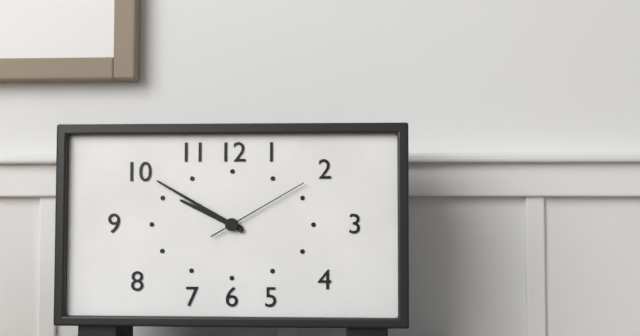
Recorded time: 9:50:10
